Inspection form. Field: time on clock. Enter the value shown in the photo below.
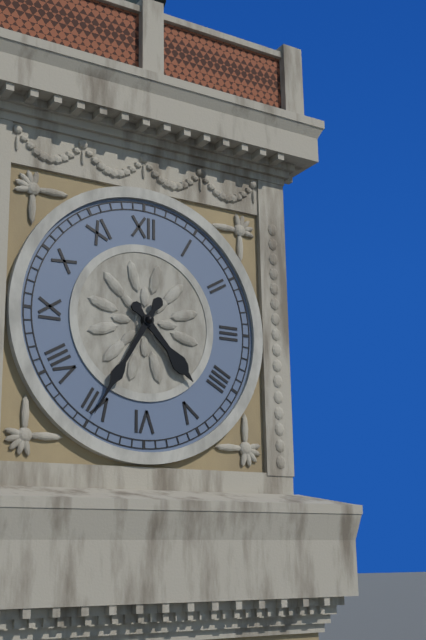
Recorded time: 4:35
